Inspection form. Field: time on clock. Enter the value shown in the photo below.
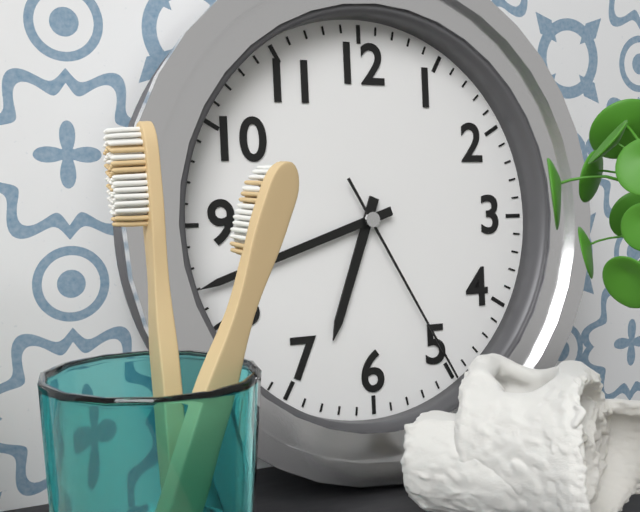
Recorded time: 6:42:25
